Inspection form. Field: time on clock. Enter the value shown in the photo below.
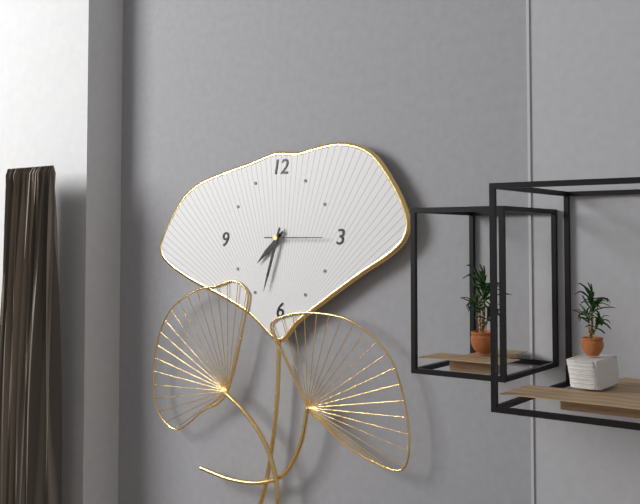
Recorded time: 7:33:15
